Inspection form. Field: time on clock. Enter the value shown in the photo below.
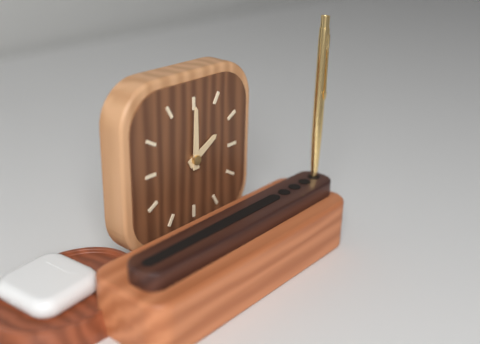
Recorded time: 2:00
